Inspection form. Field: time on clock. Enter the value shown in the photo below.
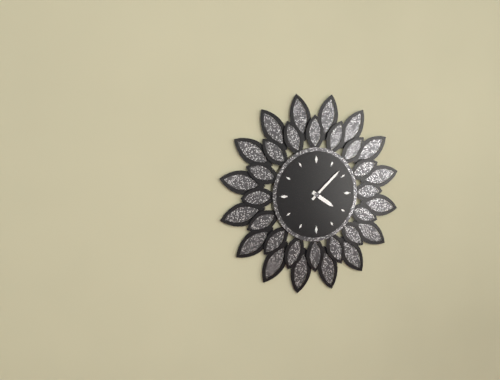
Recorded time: 4:08
